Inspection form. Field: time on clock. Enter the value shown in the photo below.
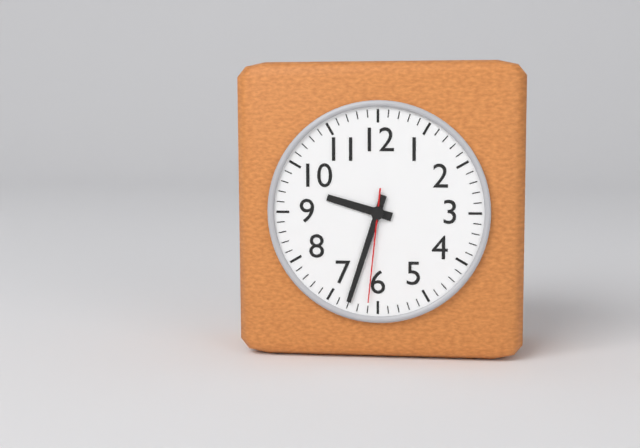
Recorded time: 9:33:31
